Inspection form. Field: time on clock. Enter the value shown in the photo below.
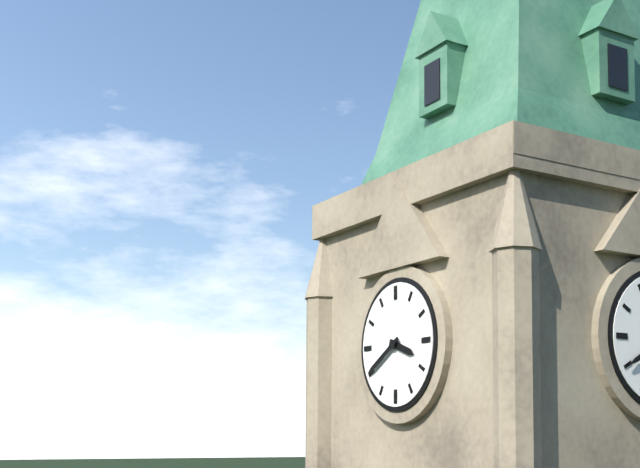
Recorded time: 3:40
